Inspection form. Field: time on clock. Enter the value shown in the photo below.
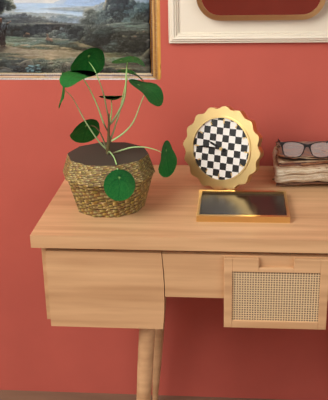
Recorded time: 9:45
